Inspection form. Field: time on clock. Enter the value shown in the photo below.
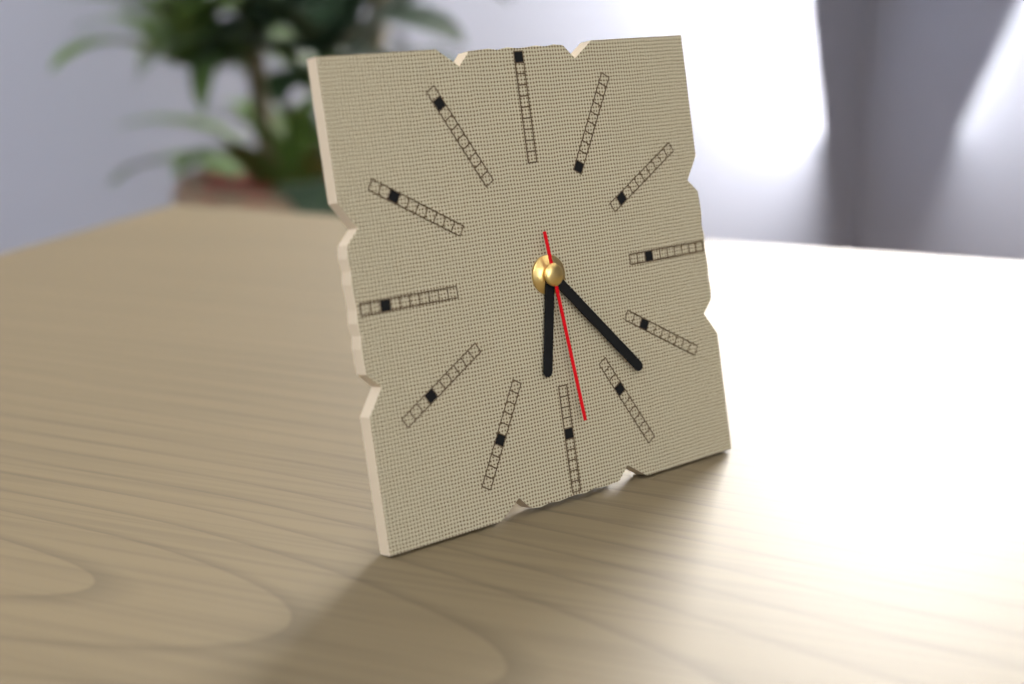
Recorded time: 6:23:29
